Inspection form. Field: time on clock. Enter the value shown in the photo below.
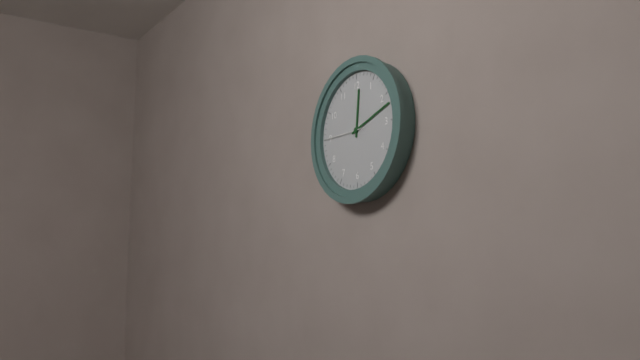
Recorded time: 12:12
